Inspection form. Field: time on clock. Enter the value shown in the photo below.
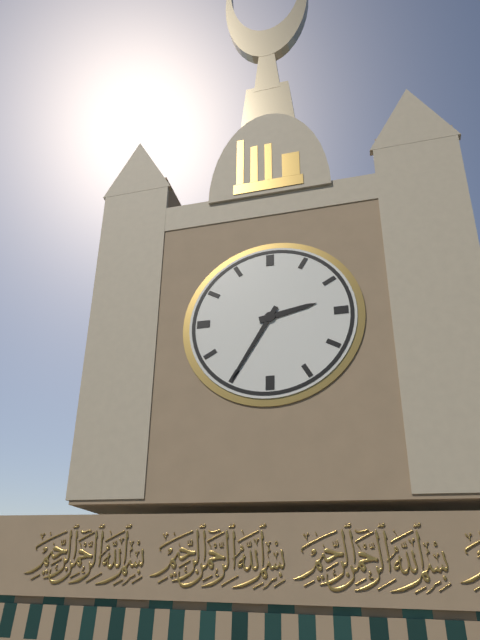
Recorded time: 2:35
